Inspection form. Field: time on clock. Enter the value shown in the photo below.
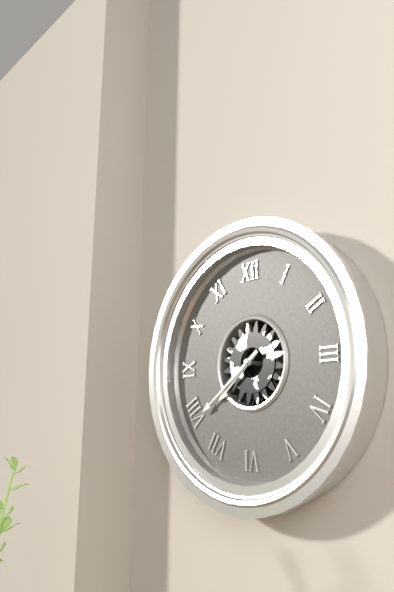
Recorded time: 7:39
